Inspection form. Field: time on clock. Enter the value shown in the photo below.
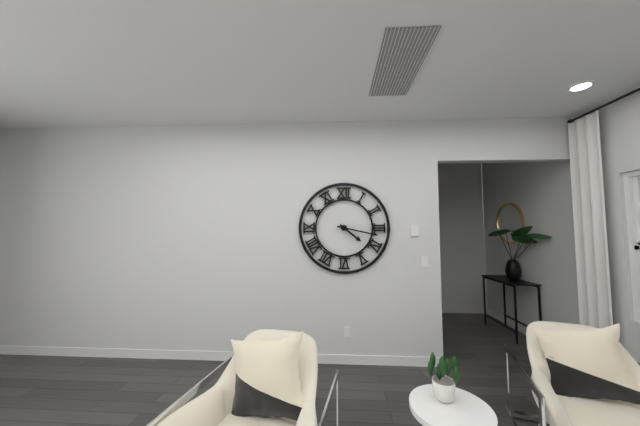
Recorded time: 4:17
